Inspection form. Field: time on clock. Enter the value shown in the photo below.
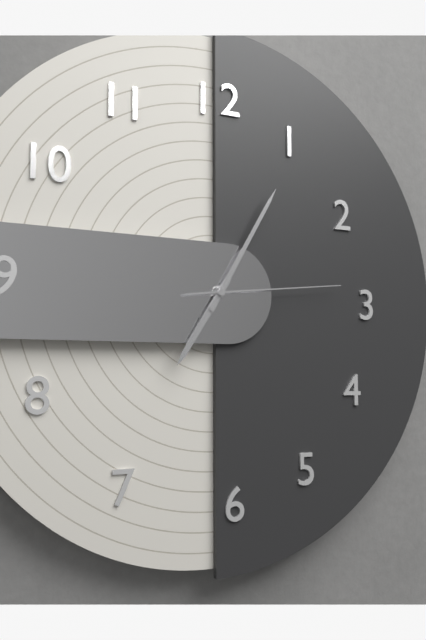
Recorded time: 7:05:14
